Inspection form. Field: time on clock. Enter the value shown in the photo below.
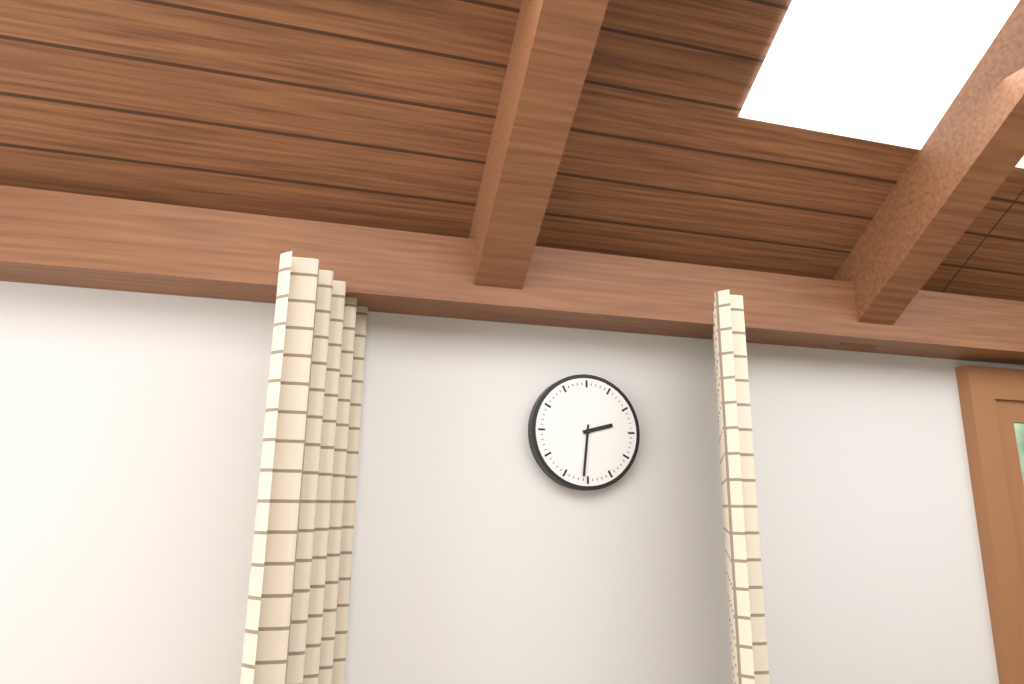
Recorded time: 2:31
